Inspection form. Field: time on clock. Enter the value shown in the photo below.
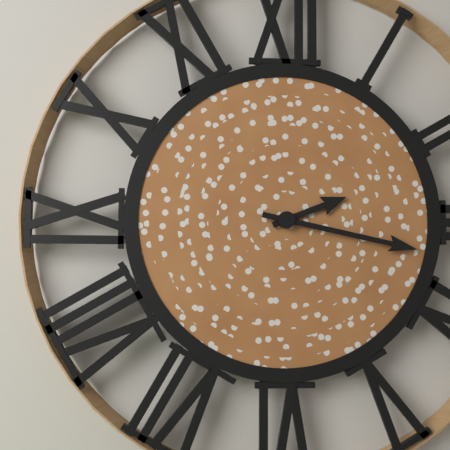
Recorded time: 2:17
